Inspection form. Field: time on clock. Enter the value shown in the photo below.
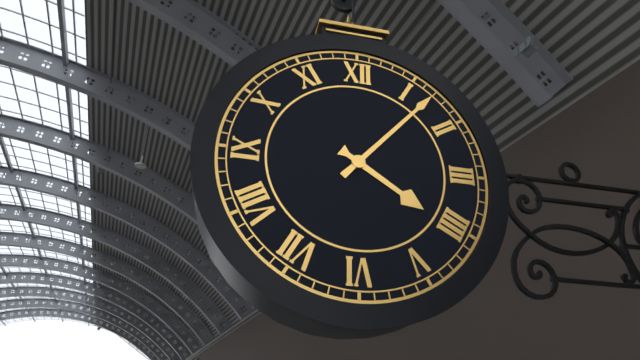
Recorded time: 4:07
